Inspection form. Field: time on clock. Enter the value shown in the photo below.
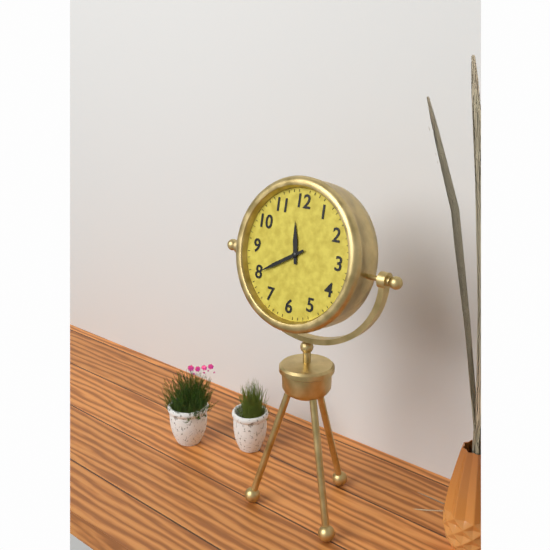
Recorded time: 11:40
